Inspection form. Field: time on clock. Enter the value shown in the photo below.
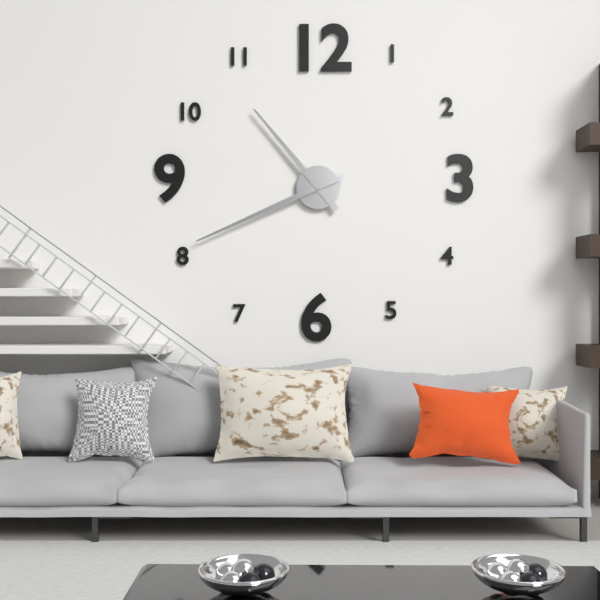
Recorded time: 10:41
